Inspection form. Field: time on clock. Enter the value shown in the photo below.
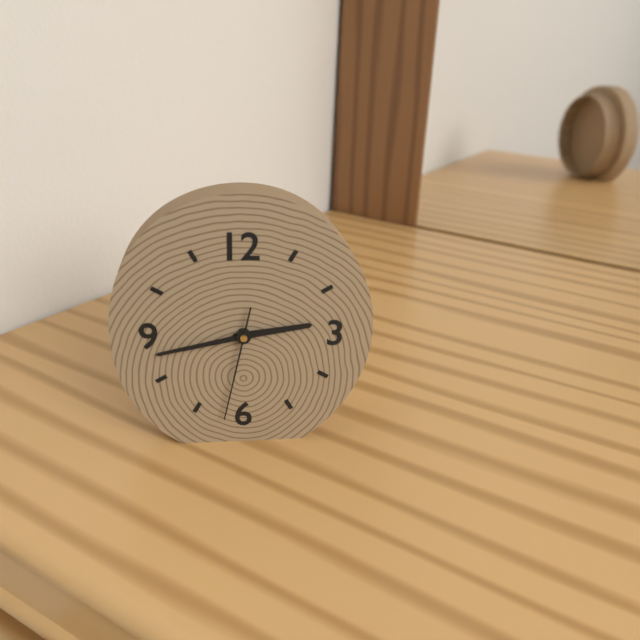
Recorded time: 2:43:32
